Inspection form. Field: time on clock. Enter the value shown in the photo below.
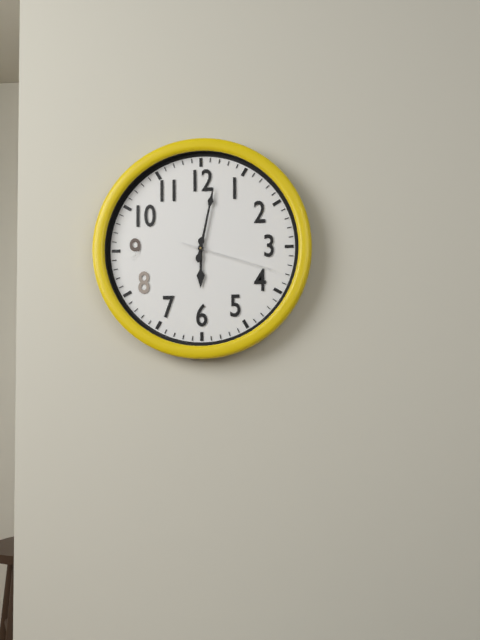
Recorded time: 6:02:18
